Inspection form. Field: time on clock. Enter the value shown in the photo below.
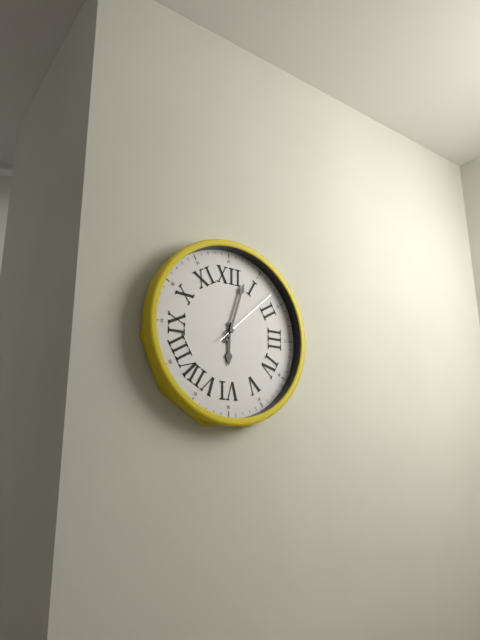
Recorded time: 6:03:08
